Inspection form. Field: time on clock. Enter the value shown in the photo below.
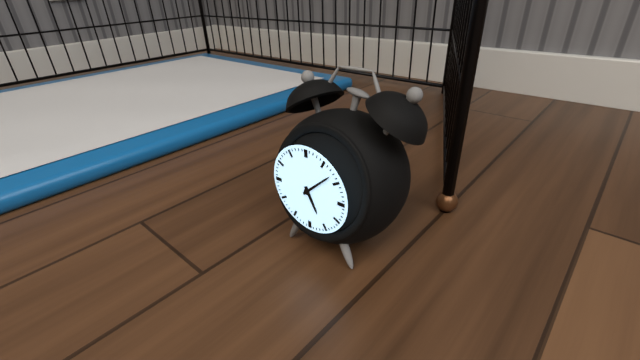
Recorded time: 5:08
